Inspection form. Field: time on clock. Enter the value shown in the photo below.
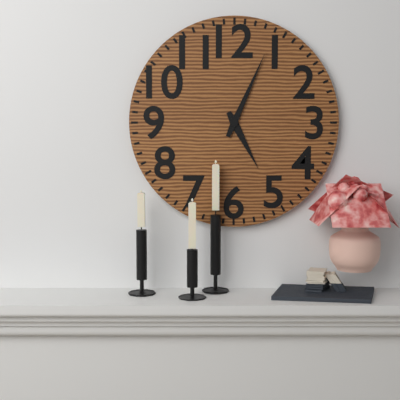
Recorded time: 5:04
